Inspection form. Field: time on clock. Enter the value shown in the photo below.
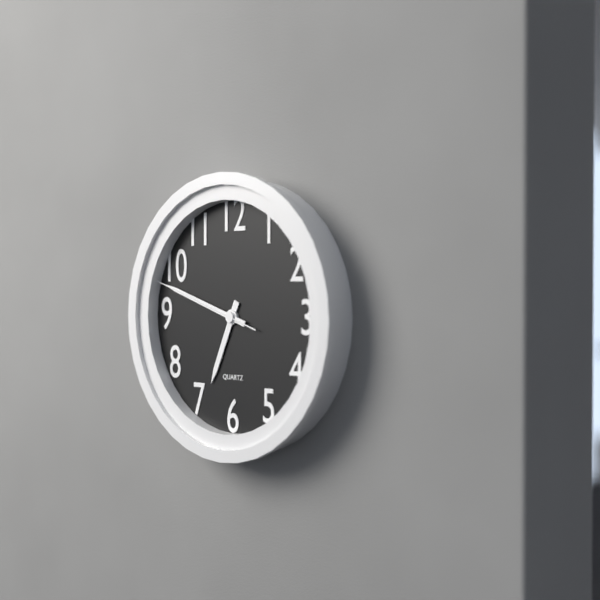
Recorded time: 6:48:48
